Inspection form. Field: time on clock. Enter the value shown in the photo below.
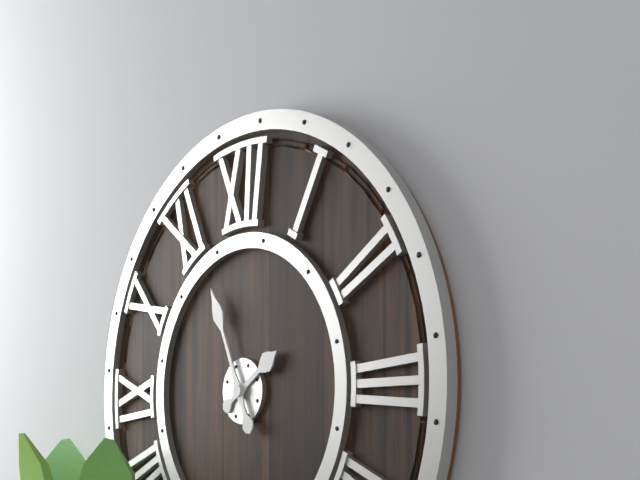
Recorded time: 1:56
